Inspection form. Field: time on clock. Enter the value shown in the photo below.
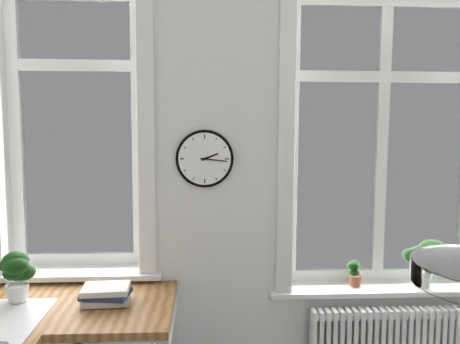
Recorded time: 2:16
